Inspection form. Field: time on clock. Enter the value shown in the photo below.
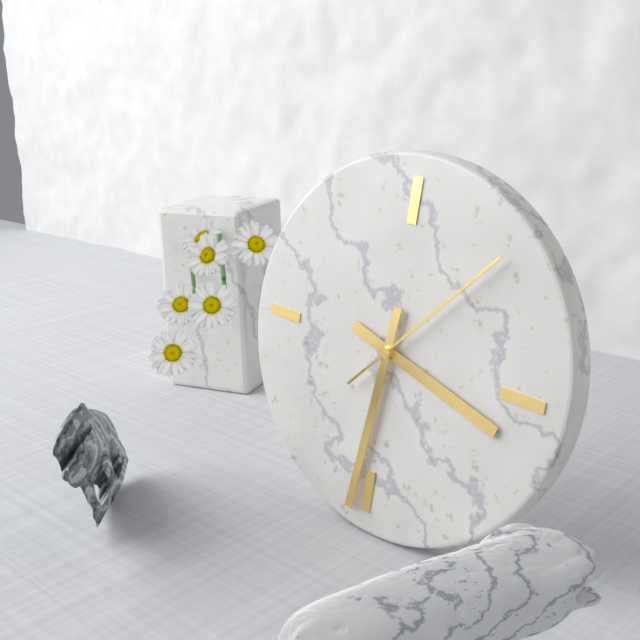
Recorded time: 3:31:07
